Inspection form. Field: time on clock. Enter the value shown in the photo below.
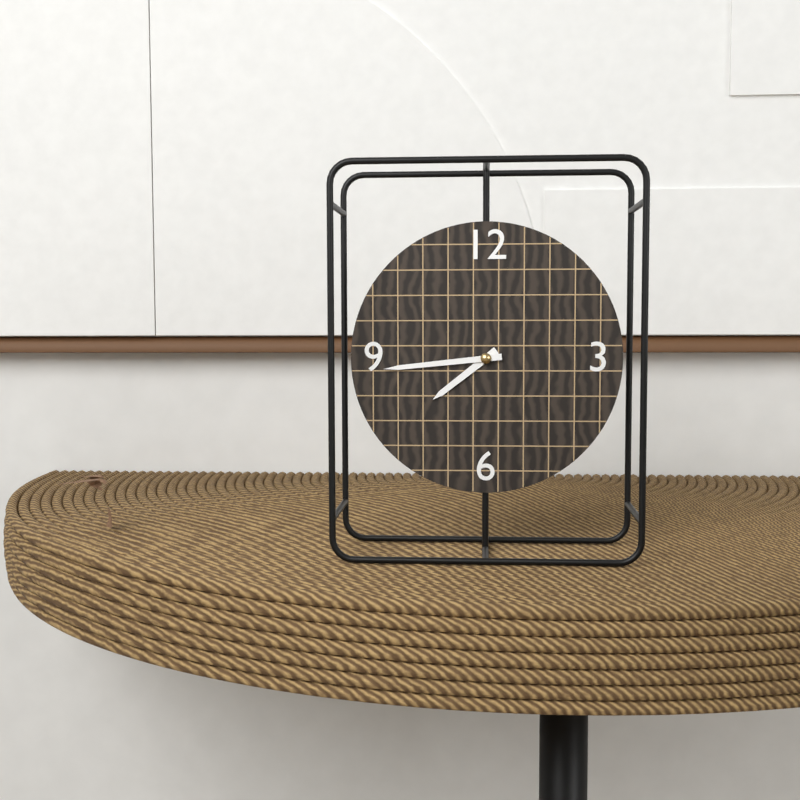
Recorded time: 7:44
